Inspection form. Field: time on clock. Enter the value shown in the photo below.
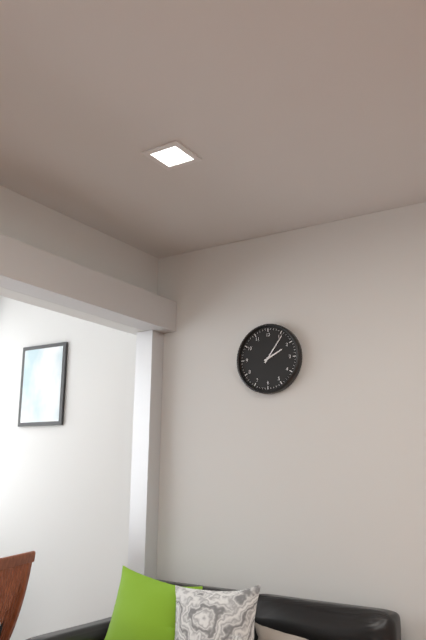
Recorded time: 2:06
